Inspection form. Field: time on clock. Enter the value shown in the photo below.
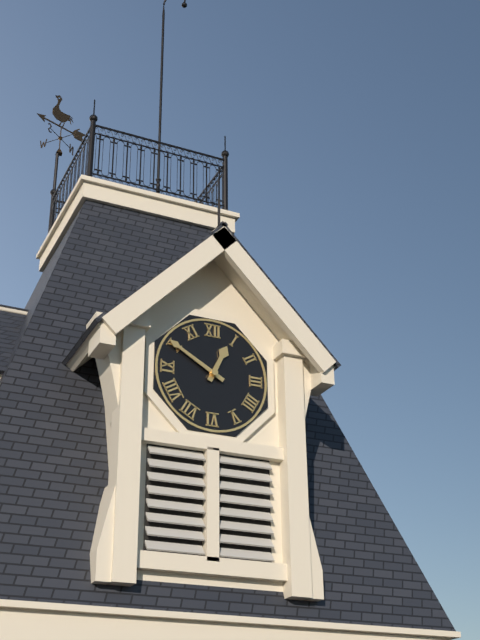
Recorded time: 12:50
